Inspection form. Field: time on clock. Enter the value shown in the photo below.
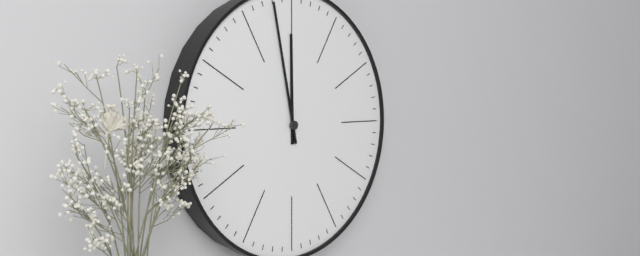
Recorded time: 11:58
